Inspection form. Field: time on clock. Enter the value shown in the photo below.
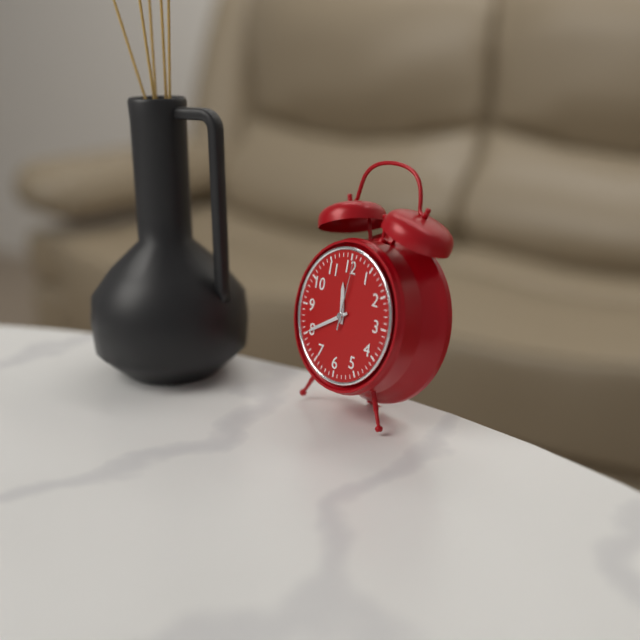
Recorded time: 11:40:01
